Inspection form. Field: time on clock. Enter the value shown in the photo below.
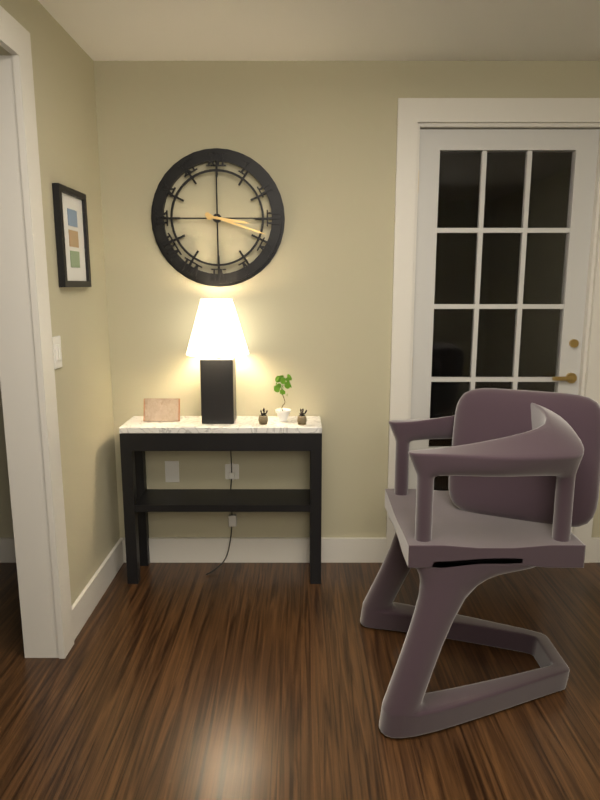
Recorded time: 3:18
